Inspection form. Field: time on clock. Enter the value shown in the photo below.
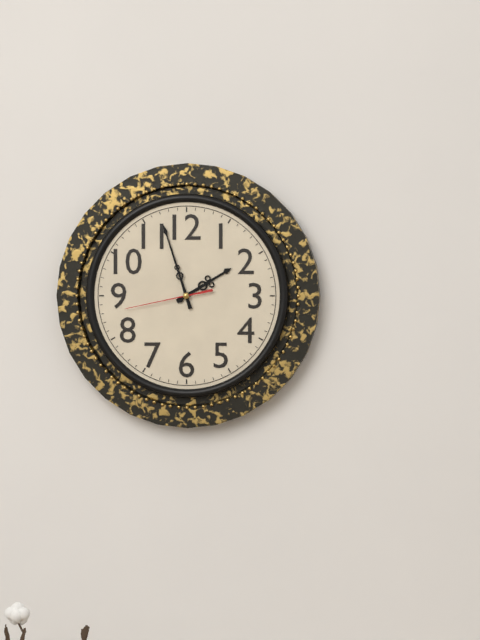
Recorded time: 1:57:43
